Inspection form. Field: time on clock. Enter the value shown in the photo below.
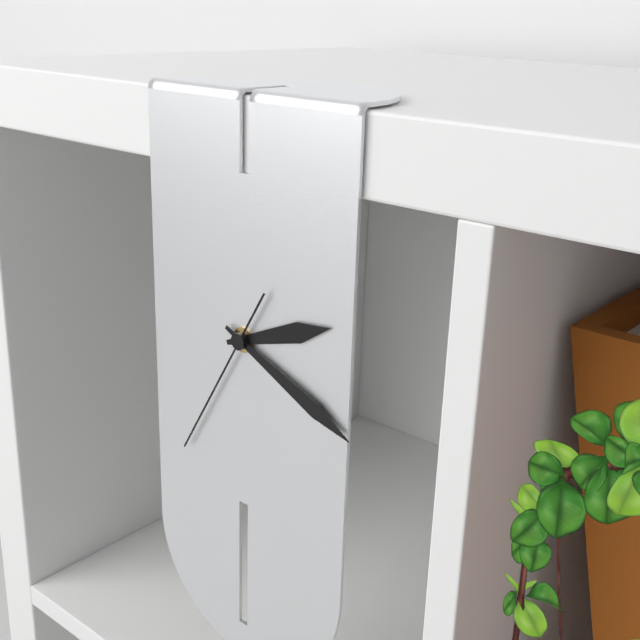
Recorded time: 2:19:35
